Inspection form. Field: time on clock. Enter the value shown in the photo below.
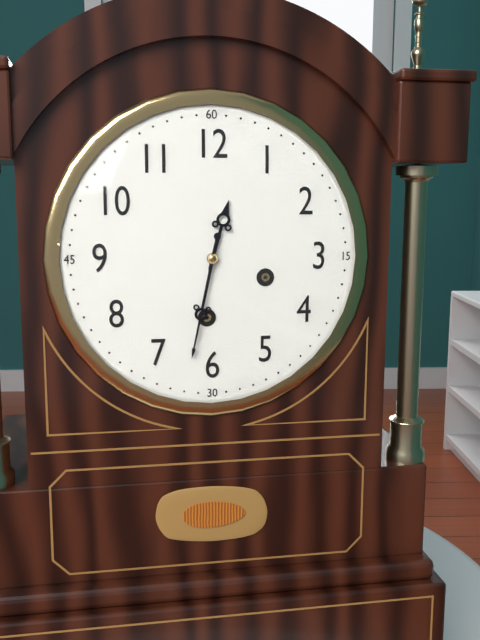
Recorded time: 12:32
